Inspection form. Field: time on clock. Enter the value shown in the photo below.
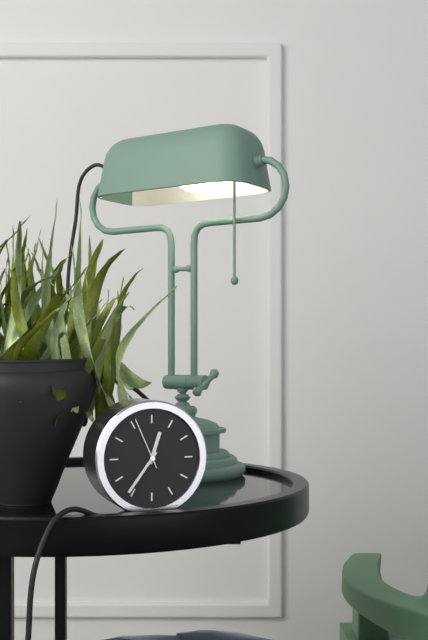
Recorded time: 12:36
